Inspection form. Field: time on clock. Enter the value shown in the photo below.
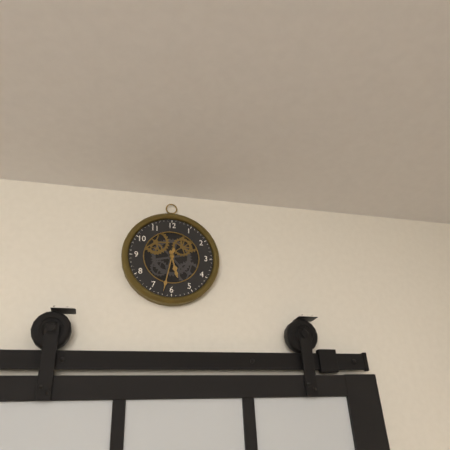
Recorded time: 5:32
